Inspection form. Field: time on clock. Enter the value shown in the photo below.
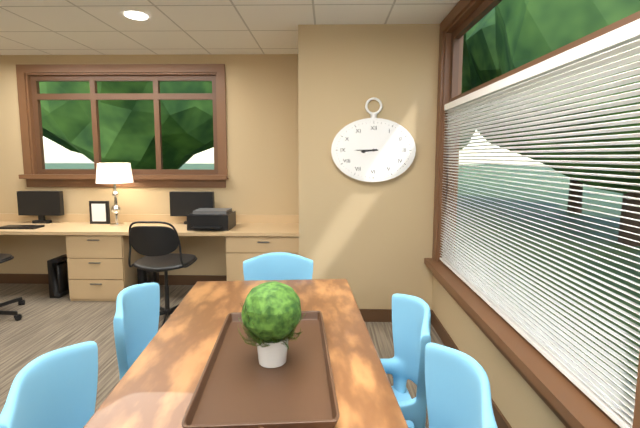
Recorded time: 8:45
